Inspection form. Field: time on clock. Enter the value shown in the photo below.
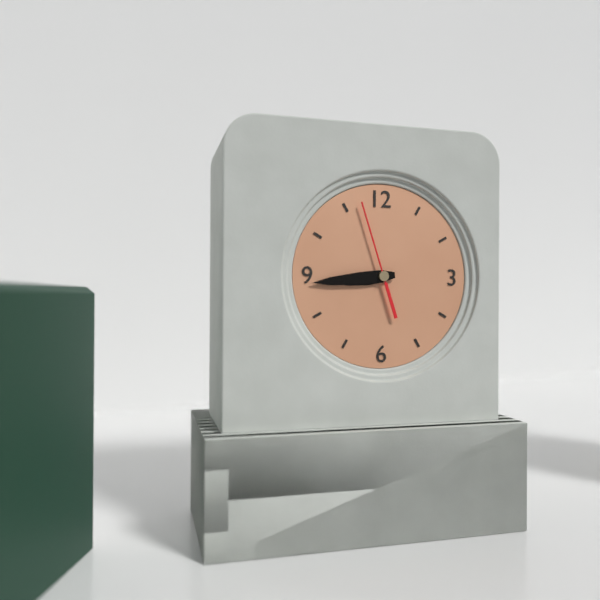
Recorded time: 8:44:57
